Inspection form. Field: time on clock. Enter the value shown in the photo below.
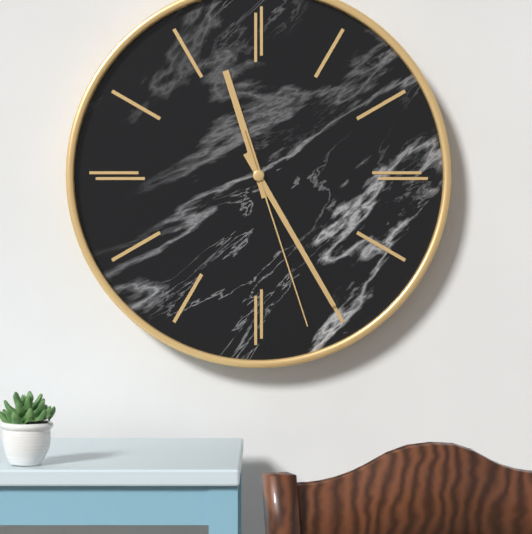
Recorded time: 11:25:27
